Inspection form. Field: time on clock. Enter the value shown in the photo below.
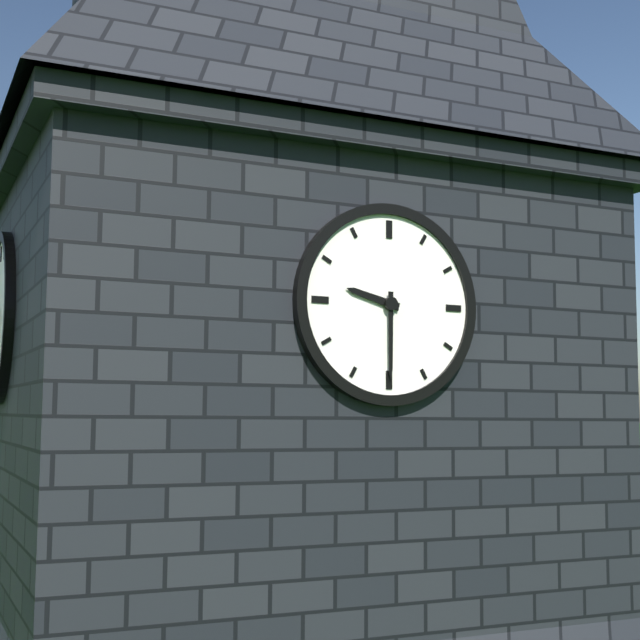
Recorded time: 9:30
